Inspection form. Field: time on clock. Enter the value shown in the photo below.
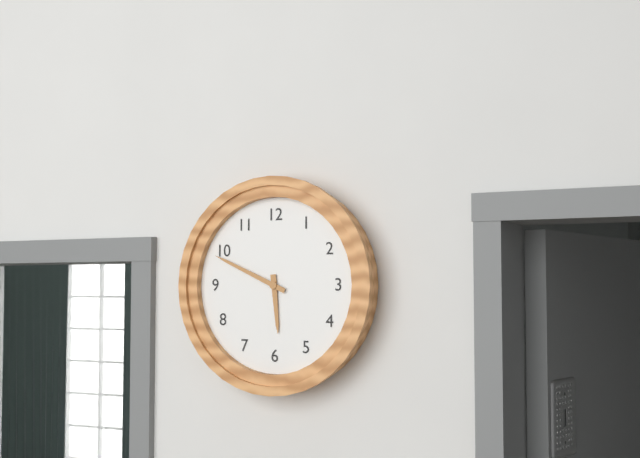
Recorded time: 5:49
